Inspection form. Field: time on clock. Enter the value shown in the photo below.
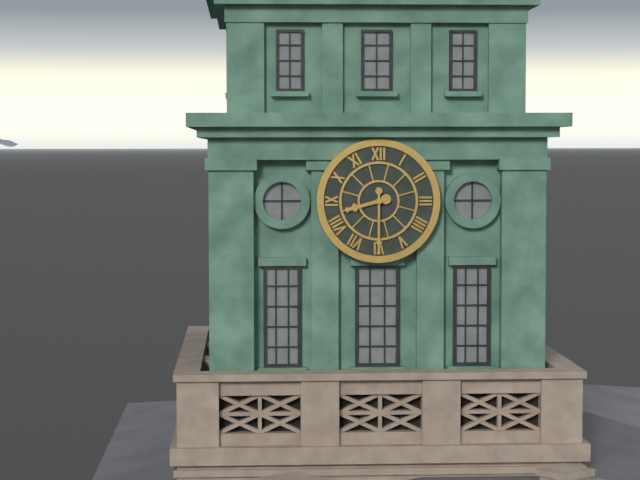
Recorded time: 8:30
